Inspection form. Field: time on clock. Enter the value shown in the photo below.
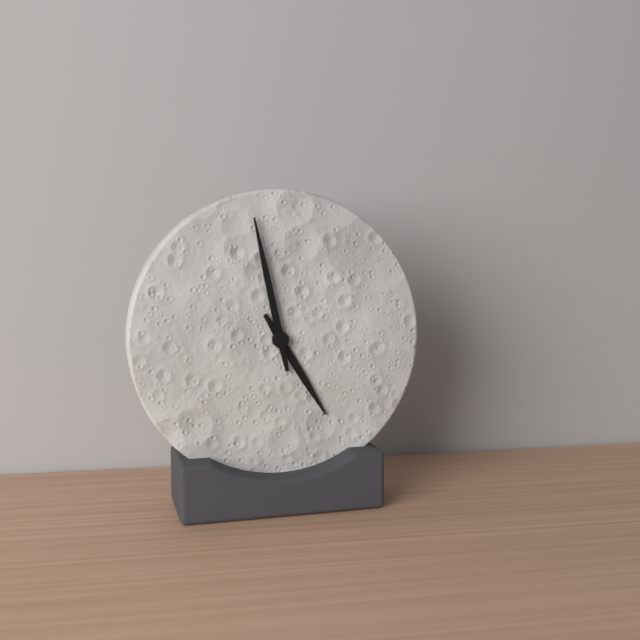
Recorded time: 4:58
